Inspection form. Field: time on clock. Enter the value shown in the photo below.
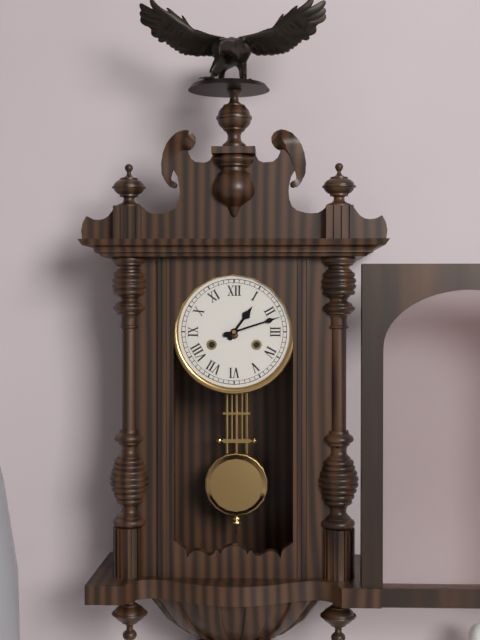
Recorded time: 1:12
